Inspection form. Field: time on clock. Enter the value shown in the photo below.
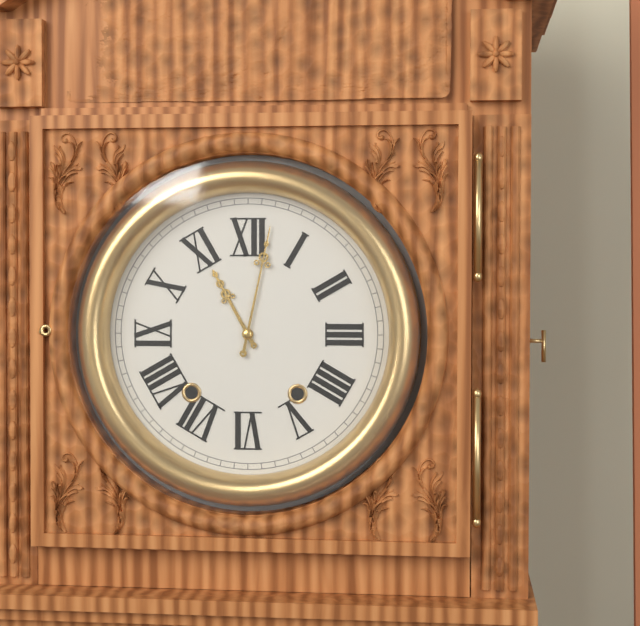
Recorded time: 11:02
